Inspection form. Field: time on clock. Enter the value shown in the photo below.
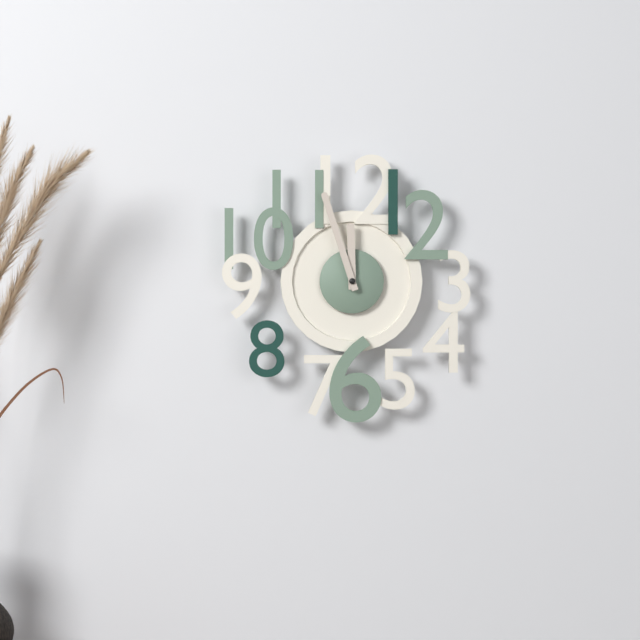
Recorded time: 11:57
